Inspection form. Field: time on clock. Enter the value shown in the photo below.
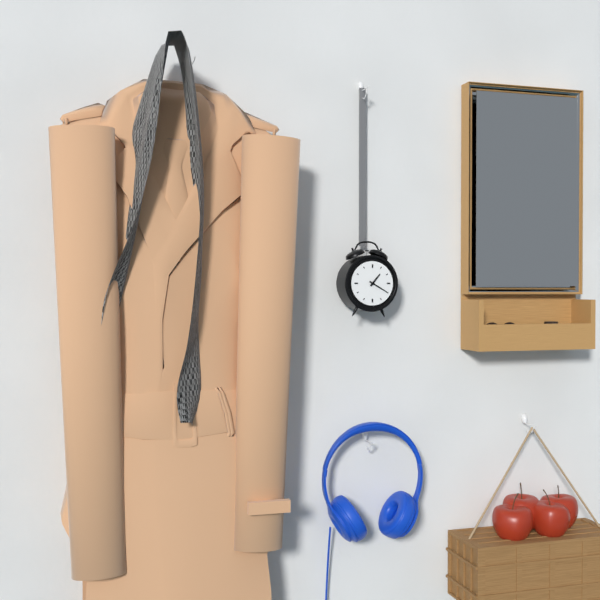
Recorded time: 1:20
